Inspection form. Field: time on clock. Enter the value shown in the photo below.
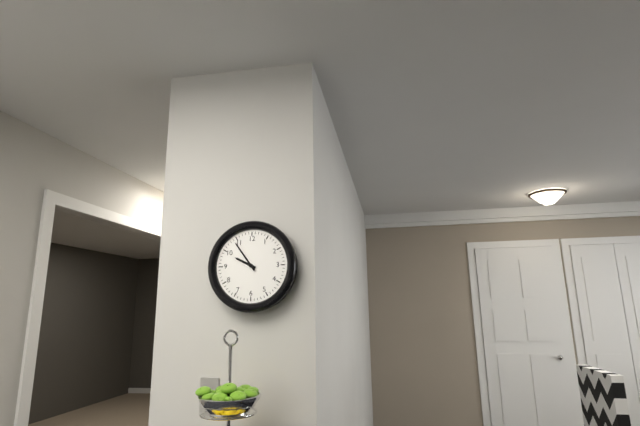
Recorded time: 9:54
